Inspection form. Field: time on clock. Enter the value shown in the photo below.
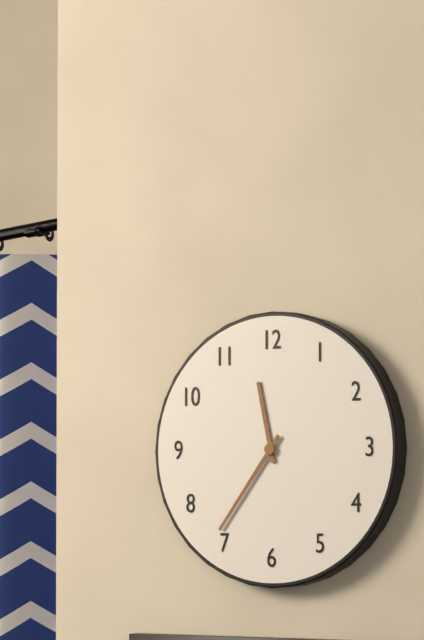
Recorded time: 11:36
